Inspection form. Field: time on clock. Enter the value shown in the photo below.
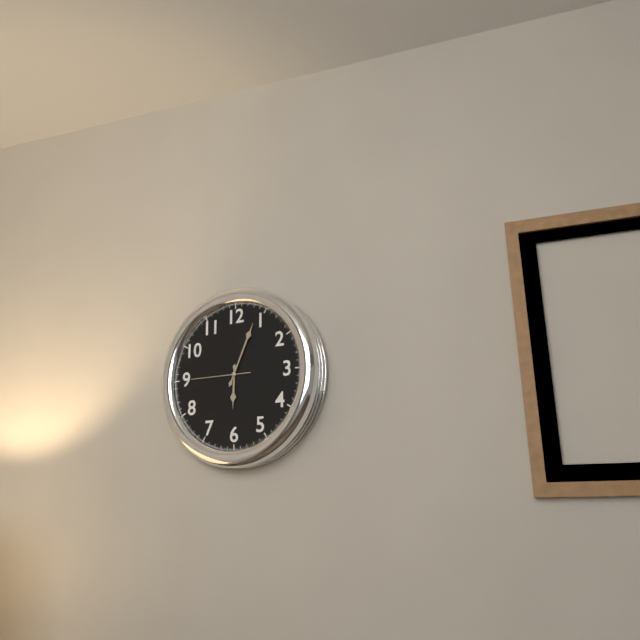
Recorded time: 6:04:45
